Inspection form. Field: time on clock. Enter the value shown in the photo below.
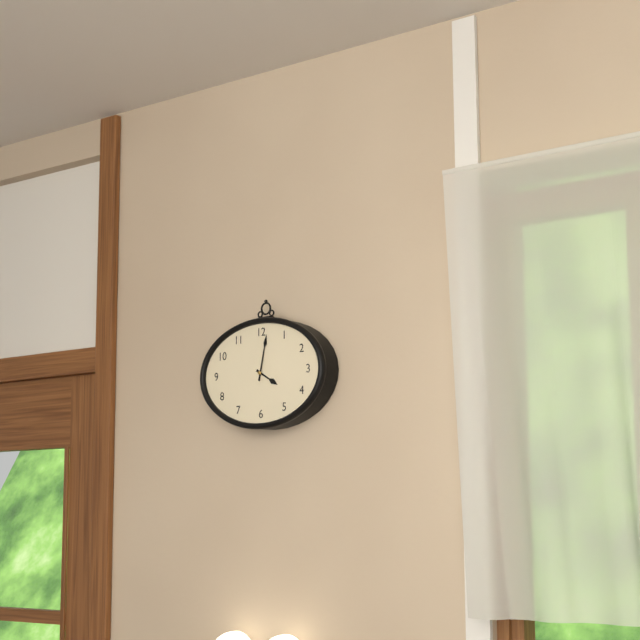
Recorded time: 4:02
